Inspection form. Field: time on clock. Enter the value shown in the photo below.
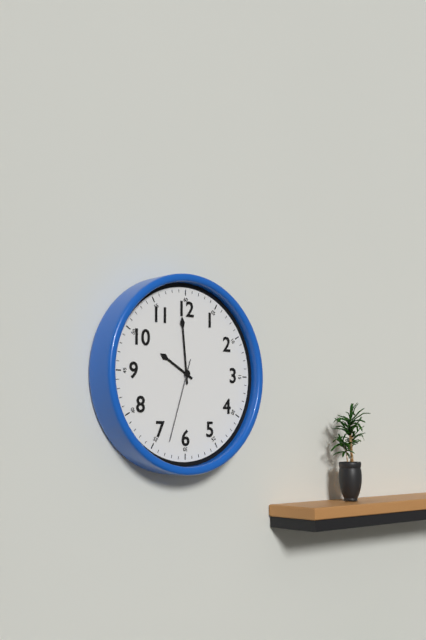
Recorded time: 9:59:33
